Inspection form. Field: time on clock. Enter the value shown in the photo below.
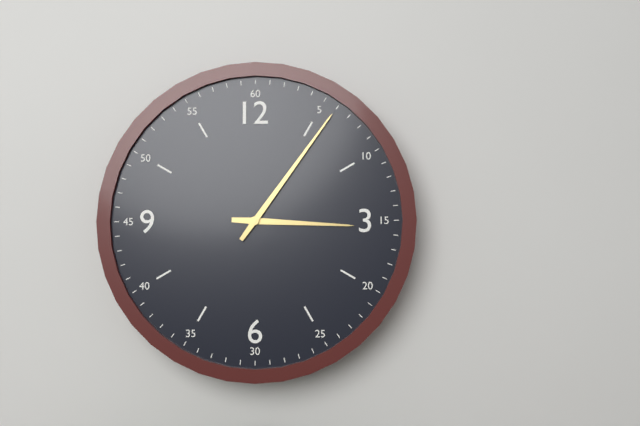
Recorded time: 3:06
